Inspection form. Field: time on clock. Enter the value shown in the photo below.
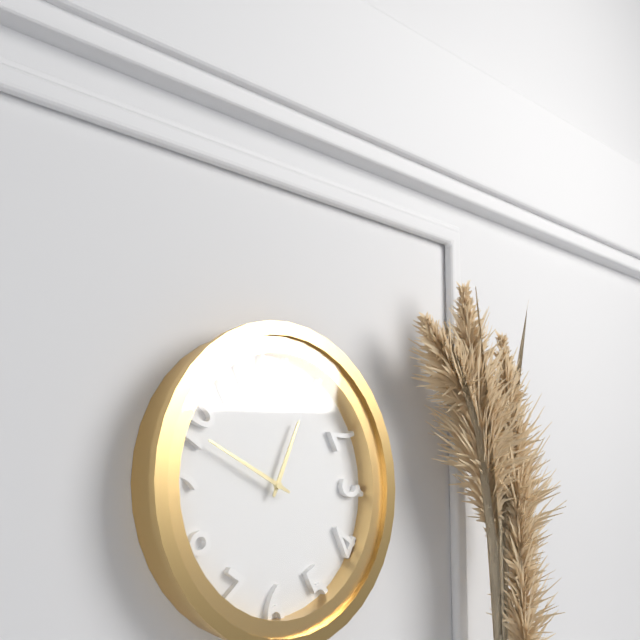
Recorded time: 12:49
